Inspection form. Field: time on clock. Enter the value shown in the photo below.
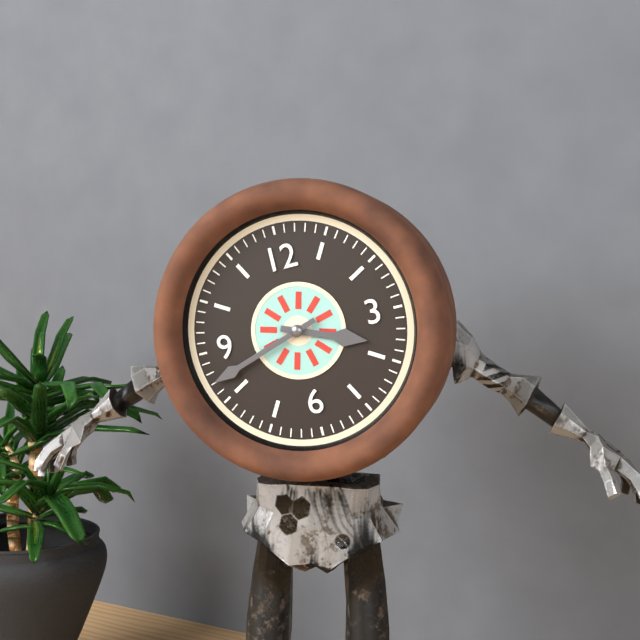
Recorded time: 3:42
